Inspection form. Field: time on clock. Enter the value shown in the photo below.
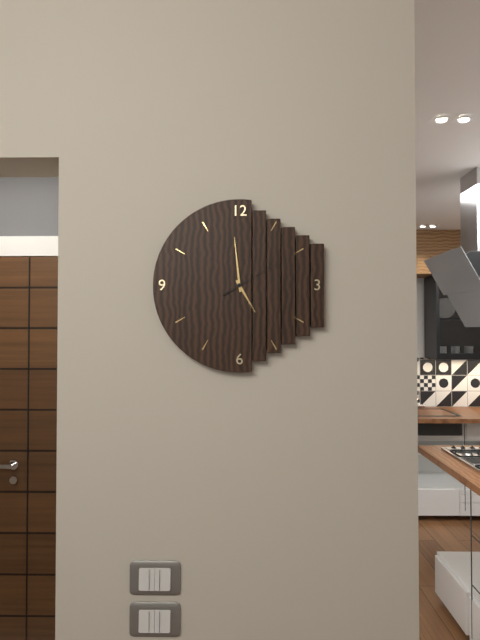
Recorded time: 4:59:10
